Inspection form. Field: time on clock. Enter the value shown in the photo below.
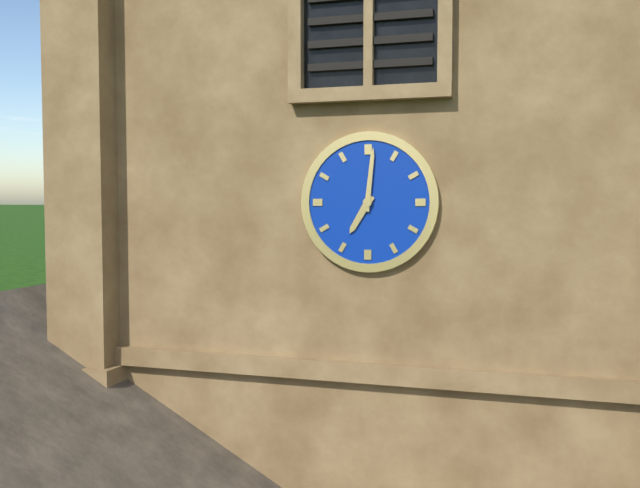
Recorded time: 7:01
